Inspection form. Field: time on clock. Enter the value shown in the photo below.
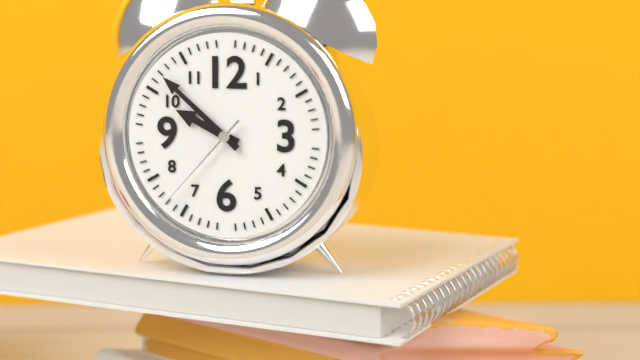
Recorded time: 9:52:37
